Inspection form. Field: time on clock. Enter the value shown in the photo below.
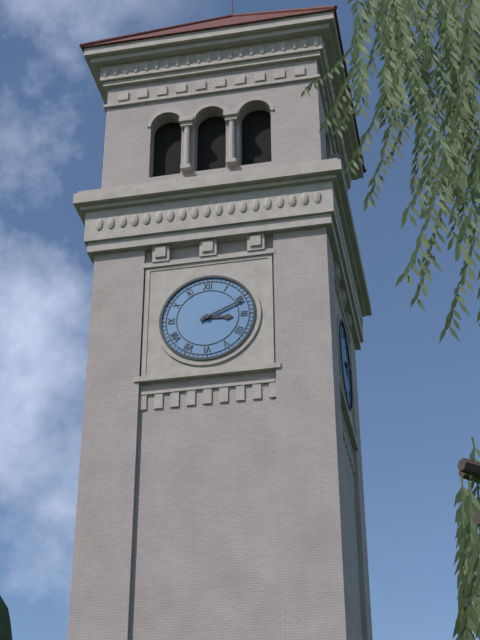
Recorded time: 3:11
